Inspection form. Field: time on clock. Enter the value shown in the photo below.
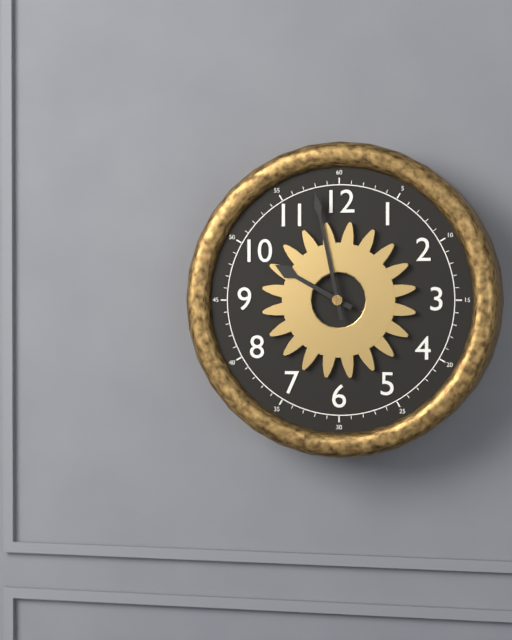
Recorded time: 9:58
